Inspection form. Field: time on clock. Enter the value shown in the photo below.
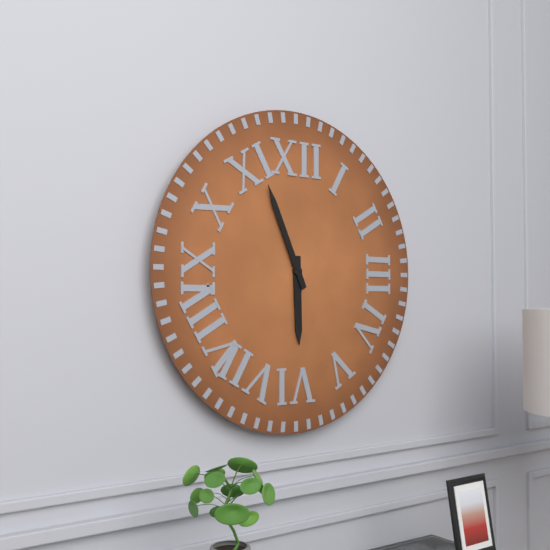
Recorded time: 5:56
